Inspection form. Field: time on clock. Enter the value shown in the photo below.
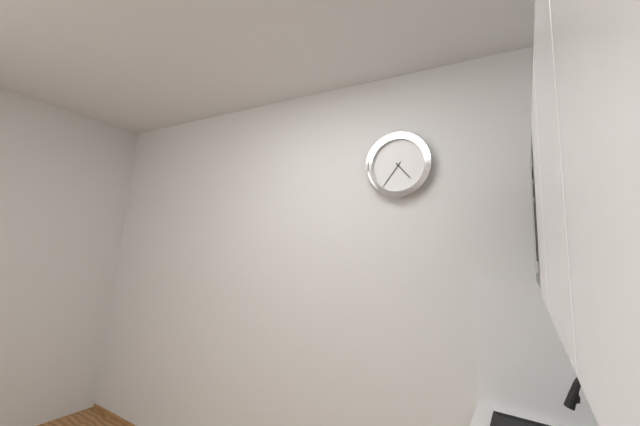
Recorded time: 4:36
